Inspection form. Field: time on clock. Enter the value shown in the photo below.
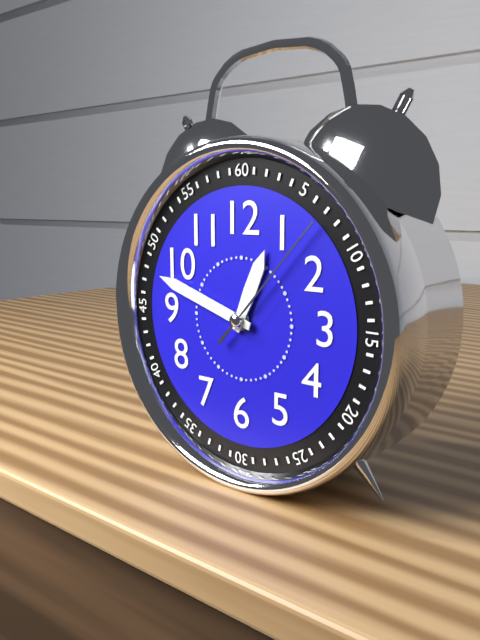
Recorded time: 12:48:07
